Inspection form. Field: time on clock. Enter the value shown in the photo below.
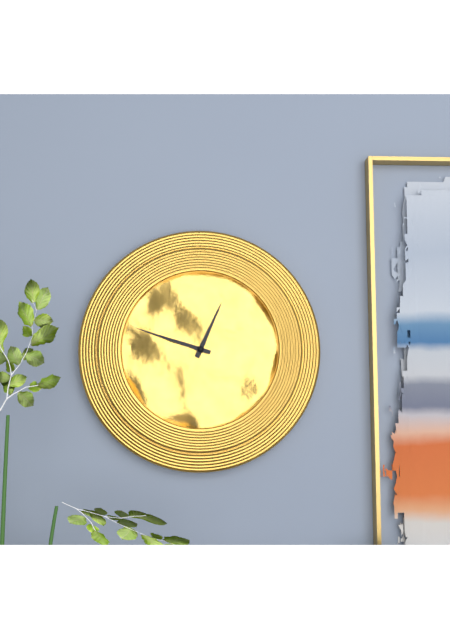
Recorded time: 12:48
